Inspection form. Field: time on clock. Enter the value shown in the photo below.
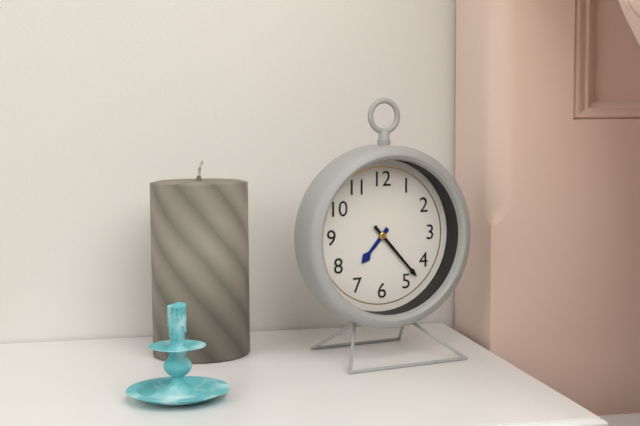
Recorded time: 7:23
